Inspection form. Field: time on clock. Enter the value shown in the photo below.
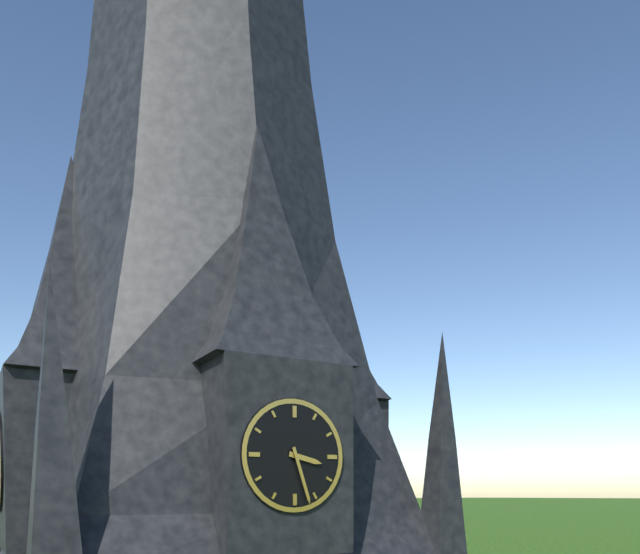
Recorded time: 3:27
